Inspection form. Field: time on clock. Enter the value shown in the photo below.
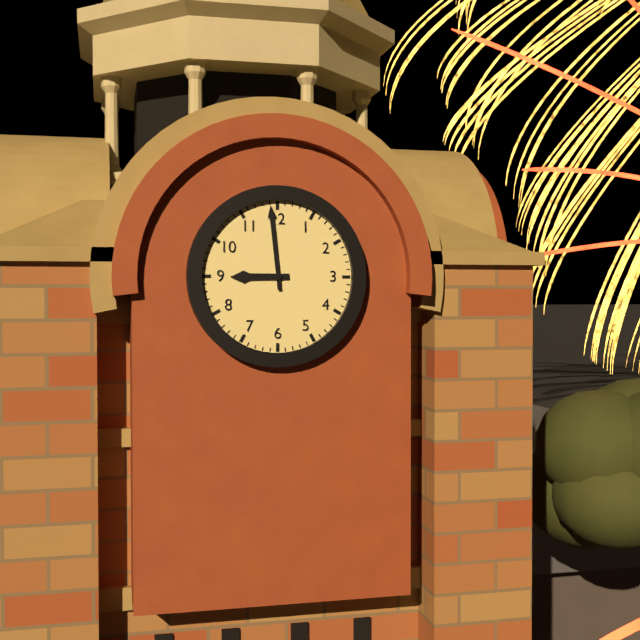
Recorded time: 8:59
